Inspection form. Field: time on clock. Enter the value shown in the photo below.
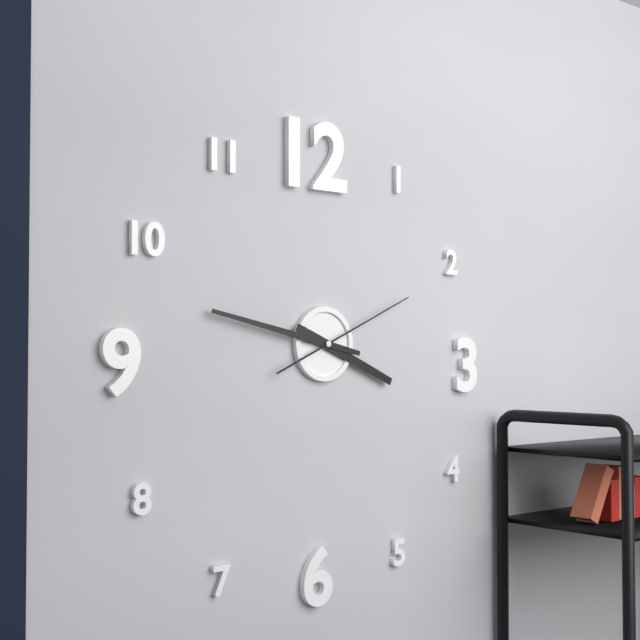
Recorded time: 3:47:11
